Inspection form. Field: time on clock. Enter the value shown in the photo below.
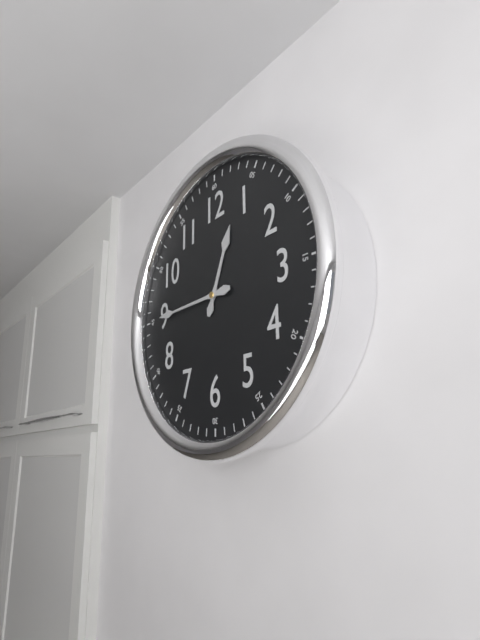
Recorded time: 12:45
